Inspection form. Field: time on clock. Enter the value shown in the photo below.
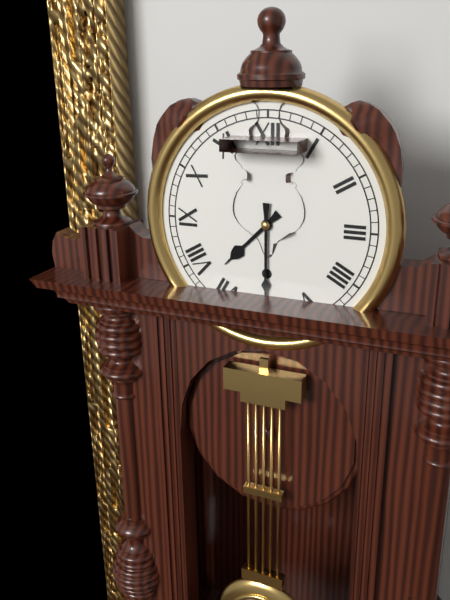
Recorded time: 7:30
